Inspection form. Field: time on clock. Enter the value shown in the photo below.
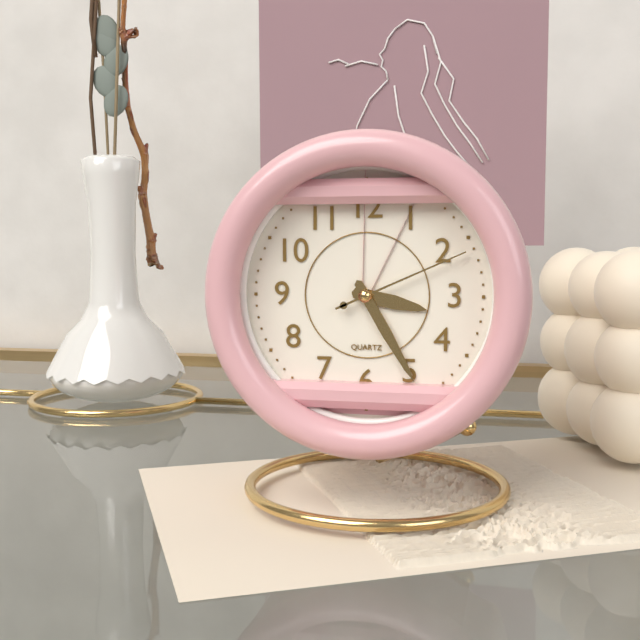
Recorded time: 3:25:11
